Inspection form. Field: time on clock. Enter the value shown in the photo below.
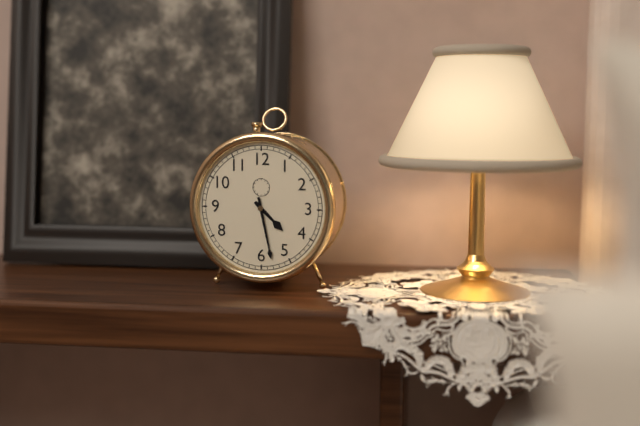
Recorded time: 4:28
